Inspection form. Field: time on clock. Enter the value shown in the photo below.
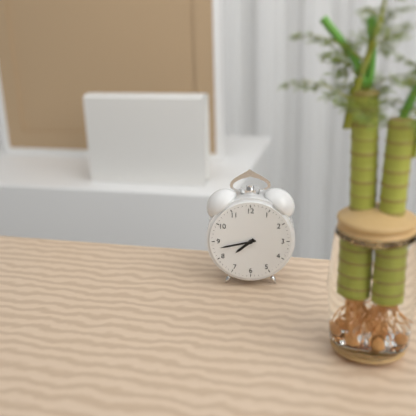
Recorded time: 7:43
